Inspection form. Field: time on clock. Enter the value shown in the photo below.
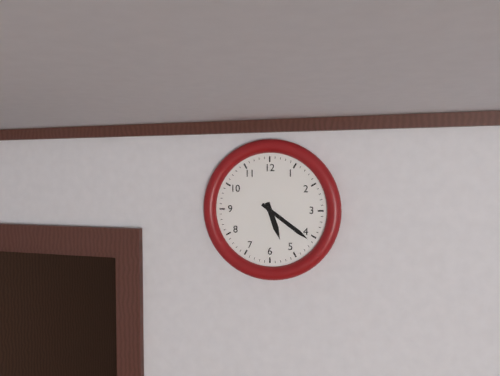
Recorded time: 5:21
